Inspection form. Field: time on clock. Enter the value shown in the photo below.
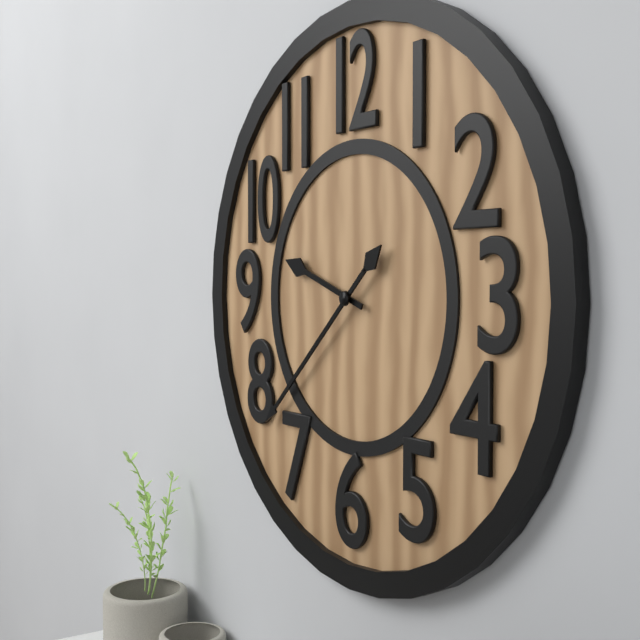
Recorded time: 9:38
